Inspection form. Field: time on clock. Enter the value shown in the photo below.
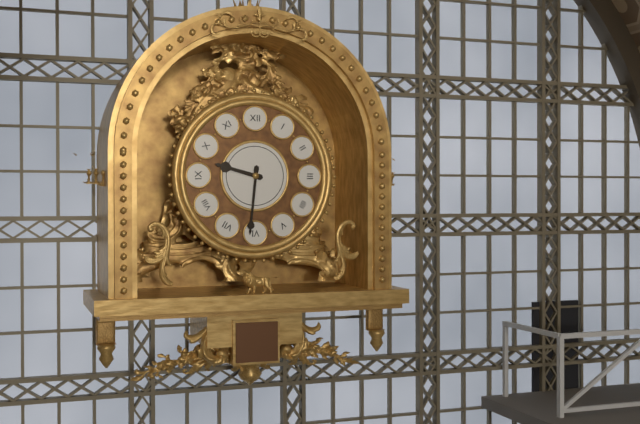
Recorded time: 9:31
